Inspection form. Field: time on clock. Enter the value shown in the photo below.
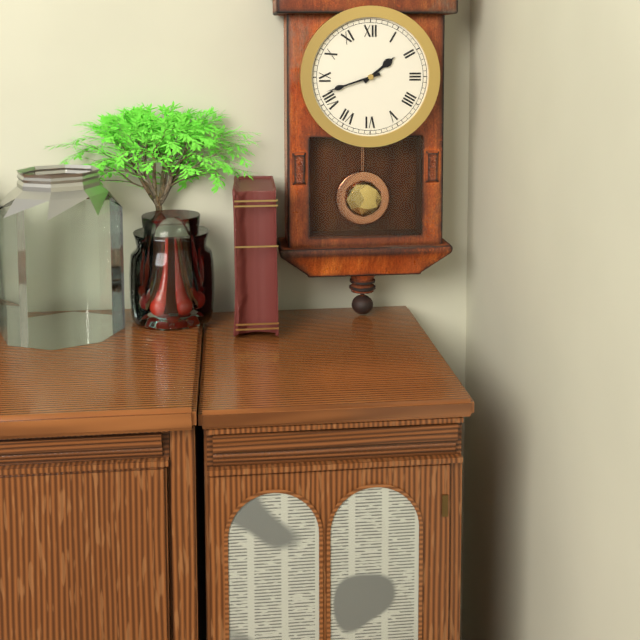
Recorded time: 1:42
